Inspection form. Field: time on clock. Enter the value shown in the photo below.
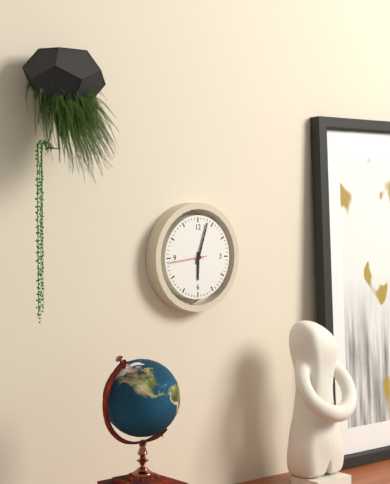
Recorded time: 6:03
